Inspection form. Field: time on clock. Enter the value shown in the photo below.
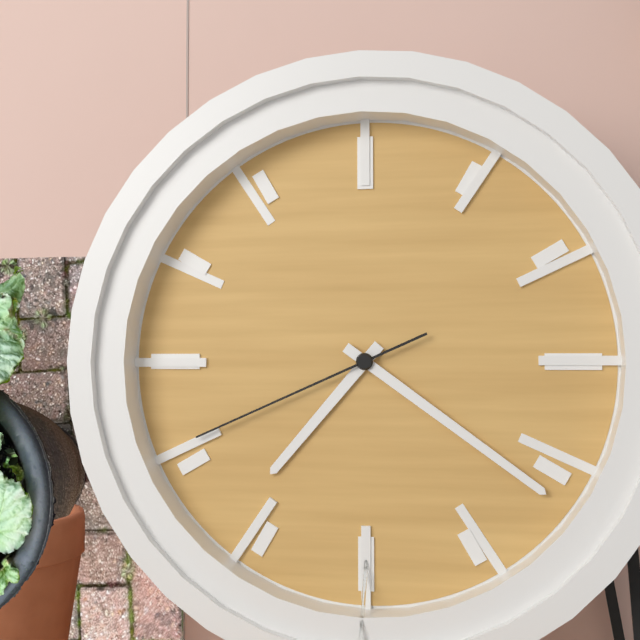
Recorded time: 7:21:41
